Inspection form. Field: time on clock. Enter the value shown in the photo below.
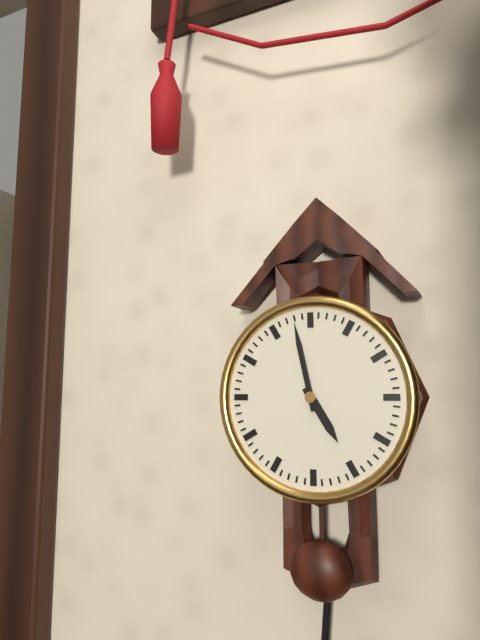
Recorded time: 4:58
